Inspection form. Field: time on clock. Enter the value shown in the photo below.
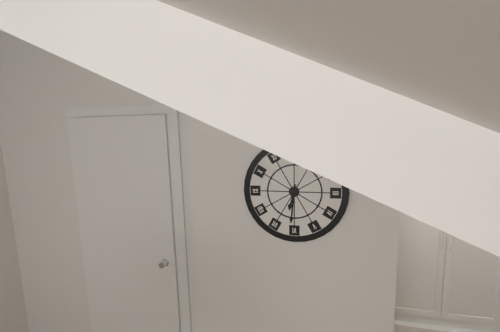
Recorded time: 6:31
